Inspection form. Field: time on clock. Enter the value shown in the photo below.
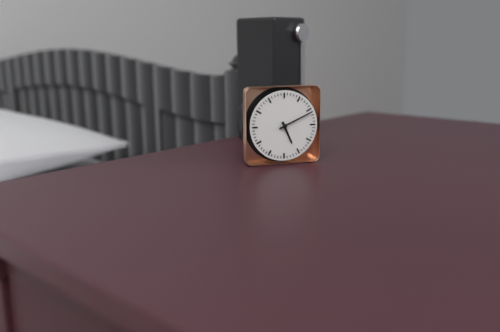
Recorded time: 5:11
